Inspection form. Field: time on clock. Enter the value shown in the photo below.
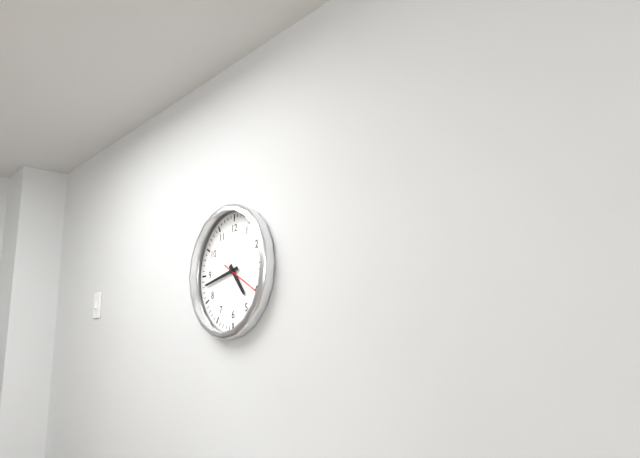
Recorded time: 4:43
